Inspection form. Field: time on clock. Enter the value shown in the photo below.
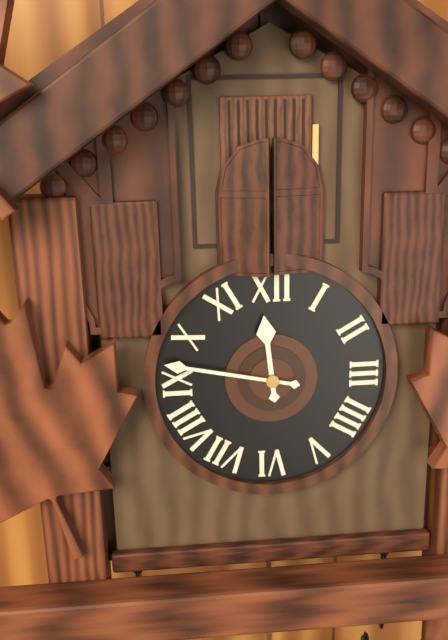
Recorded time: 11:47
